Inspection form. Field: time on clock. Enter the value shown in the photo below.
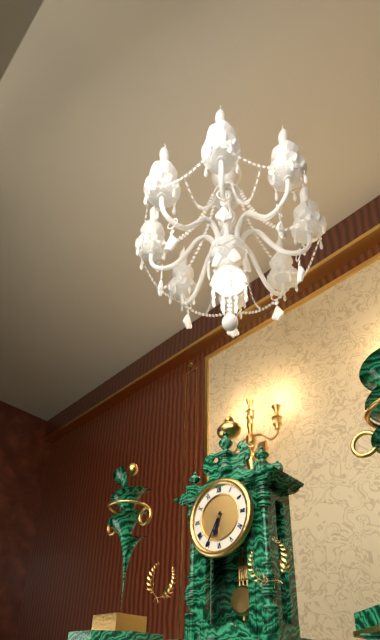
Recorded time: 6:35
